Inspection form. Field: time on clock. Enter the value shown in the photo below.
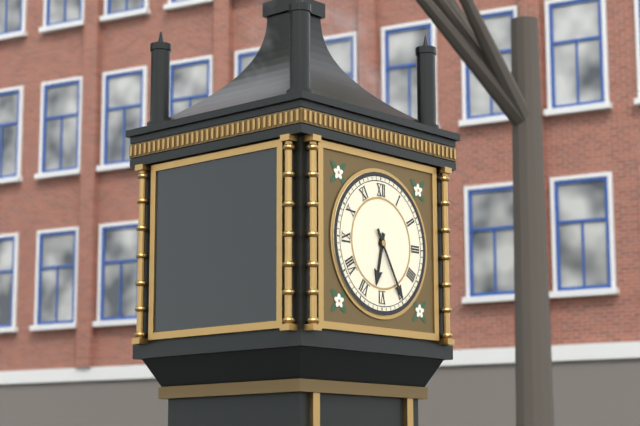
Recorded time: 6:25
